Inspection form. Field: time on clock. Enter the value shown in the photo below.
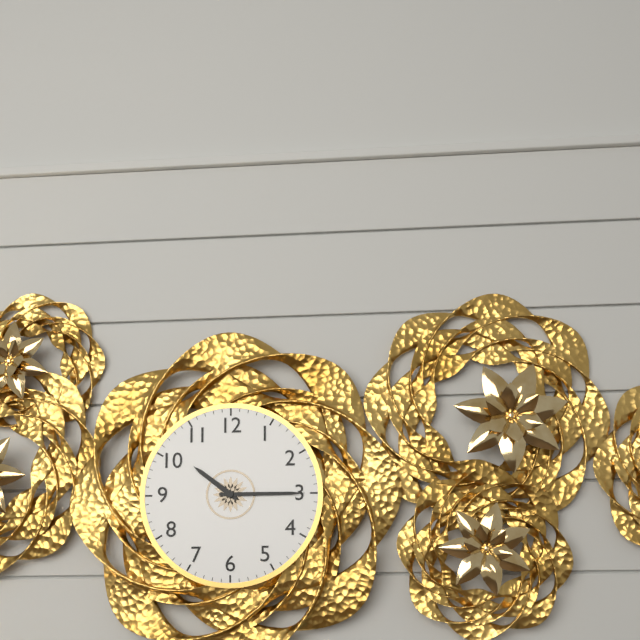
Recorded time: 10:15
